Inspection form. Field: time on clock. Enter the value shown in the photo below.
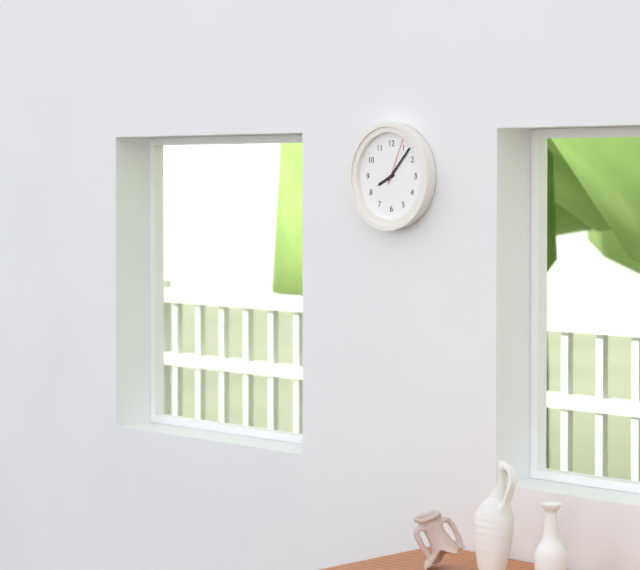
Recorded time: 8:07
